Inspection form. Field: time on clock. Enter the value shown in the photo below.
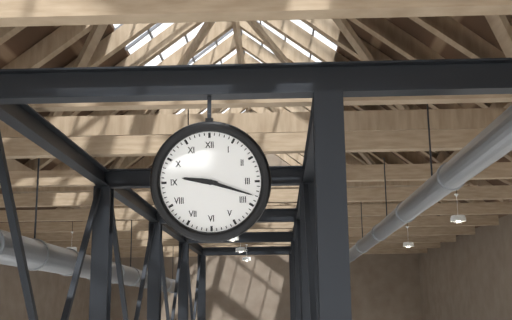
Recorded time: 9:18
